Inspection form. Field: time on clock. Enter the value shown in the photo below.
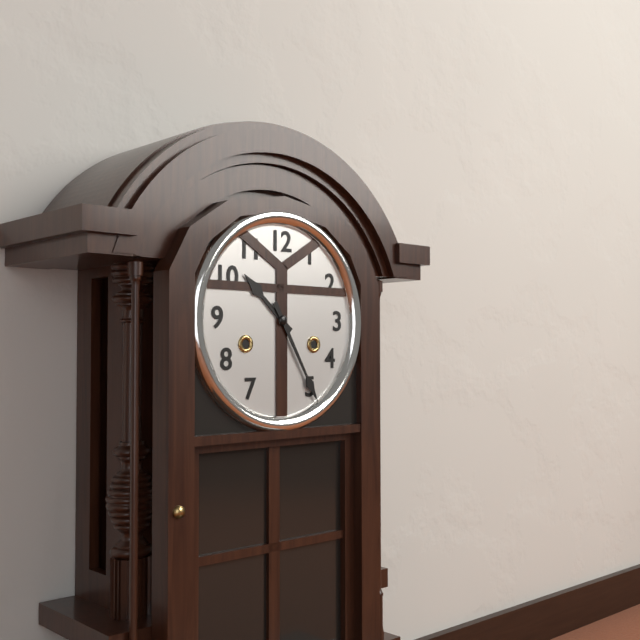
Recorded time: 10:25
